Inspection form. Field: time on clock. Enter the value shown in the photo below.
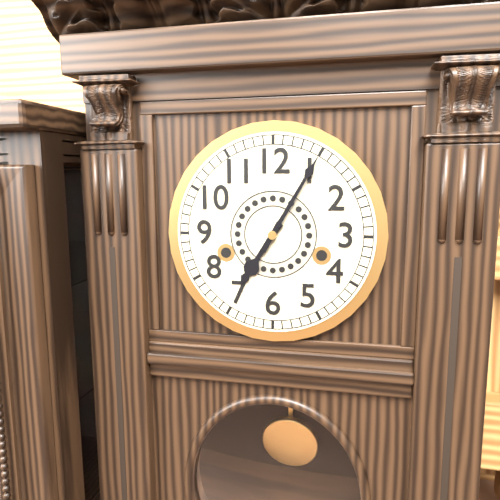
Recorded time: 7:05
